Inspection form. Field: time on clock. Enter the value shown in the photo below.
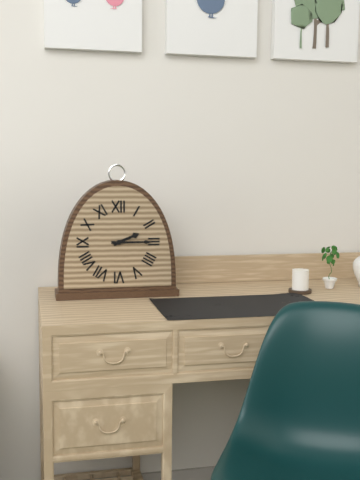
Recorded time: 2:15
